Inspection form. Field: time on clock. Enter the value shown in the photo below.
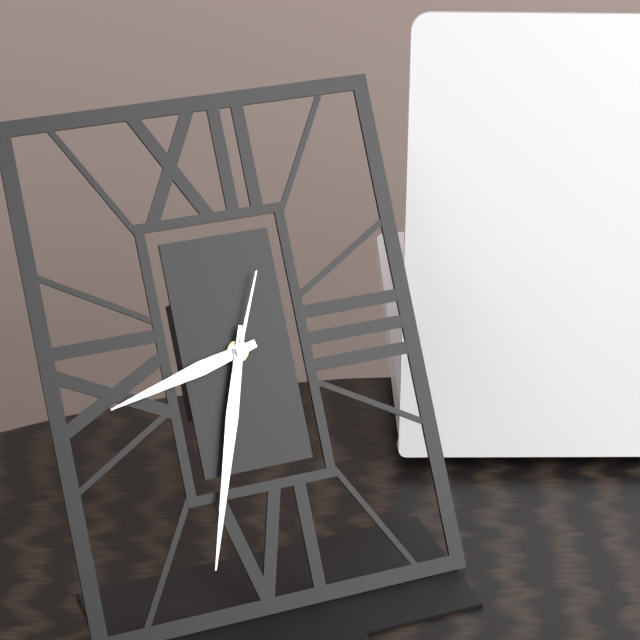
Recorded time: 8:33:04
